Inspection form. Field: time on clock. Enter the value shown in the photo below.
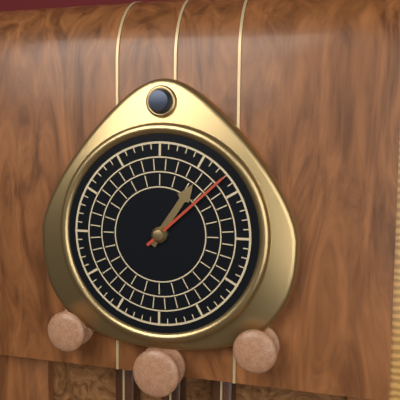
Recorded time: 1:08
